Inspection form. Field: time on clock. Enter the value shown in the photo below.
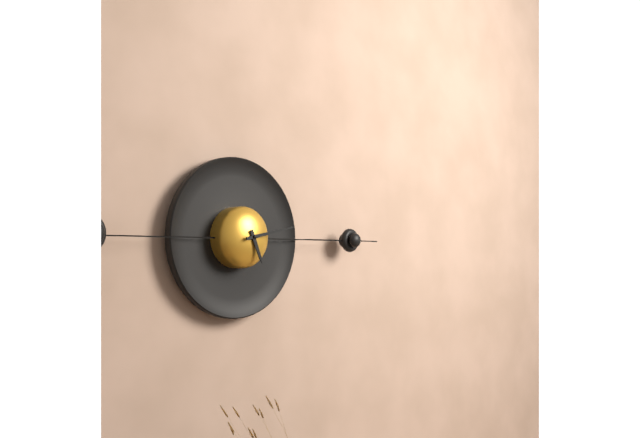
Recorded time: 5:13
